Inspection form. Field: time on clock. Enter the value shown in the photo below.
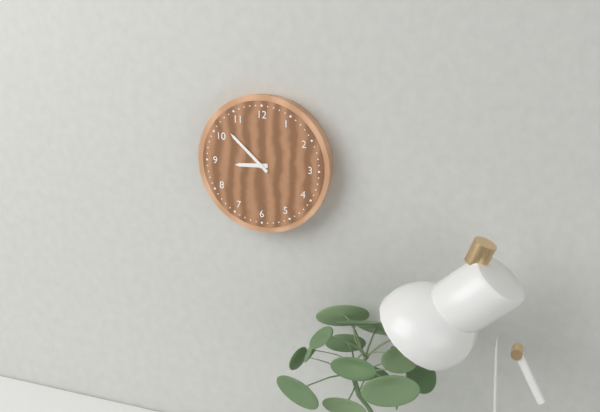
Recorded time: 8:52
